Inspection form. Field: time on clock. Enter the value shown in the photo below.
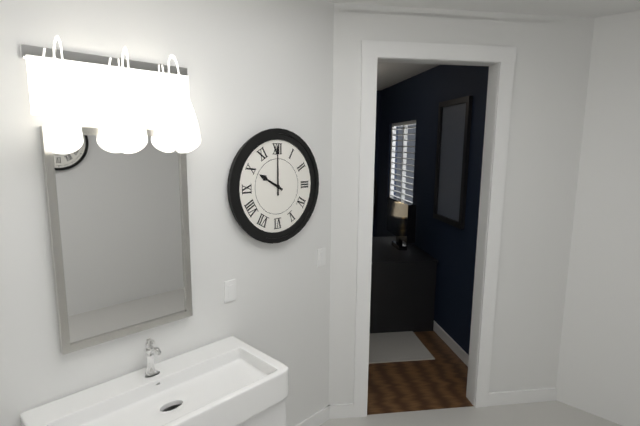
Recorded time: 10:00
